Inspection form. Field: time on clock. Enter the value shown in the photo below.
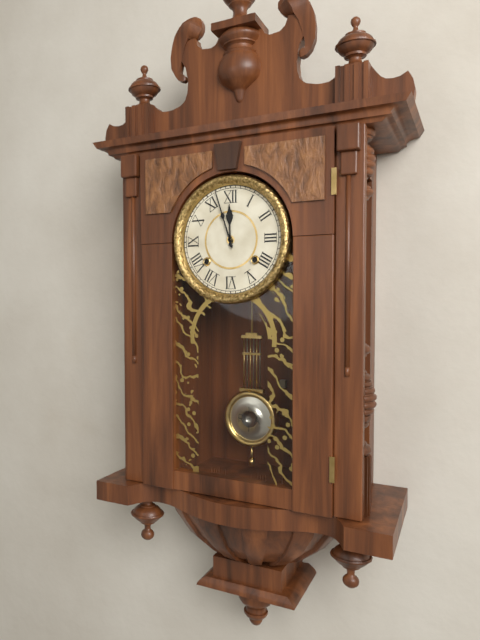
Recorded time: 11:57
